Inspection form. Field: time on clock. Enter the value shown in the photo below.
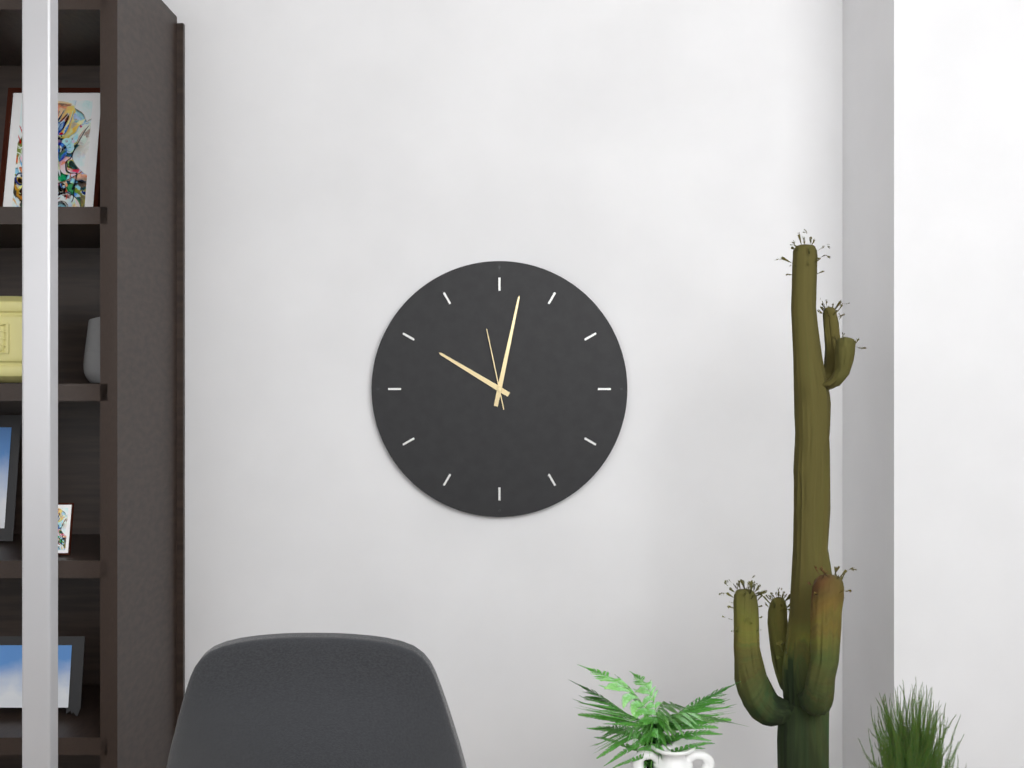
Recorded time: 10:02:58
